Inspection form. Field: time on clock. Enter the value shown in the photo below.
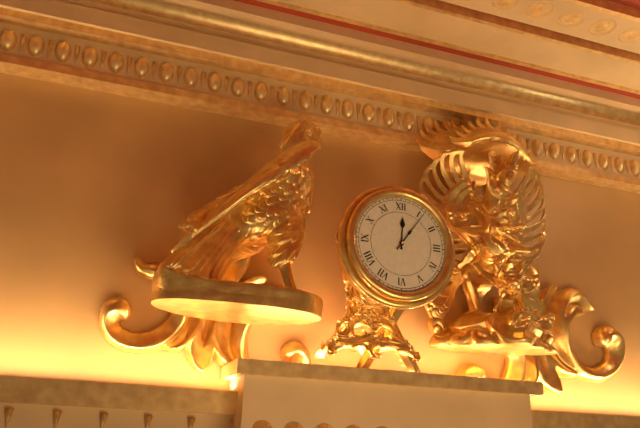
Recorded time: 12:06
